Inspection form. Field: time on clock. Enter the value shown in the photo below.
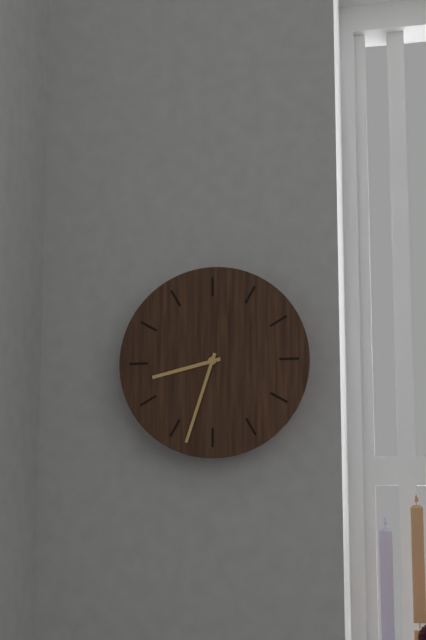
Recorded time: 8:33
